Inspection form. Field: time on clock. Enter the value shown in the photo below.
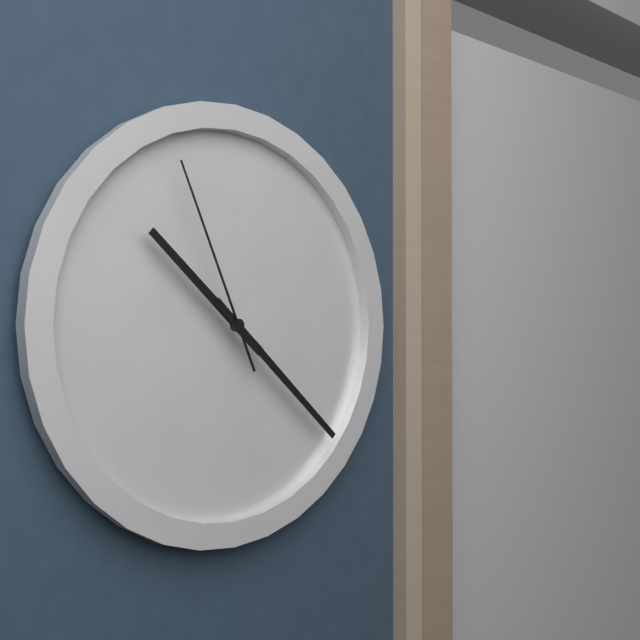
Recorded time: 10:22:56
